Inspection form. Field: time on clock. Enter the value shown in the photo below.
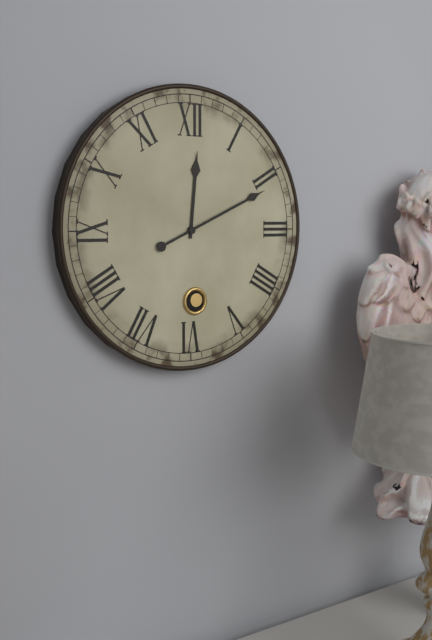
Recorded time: 12:11
